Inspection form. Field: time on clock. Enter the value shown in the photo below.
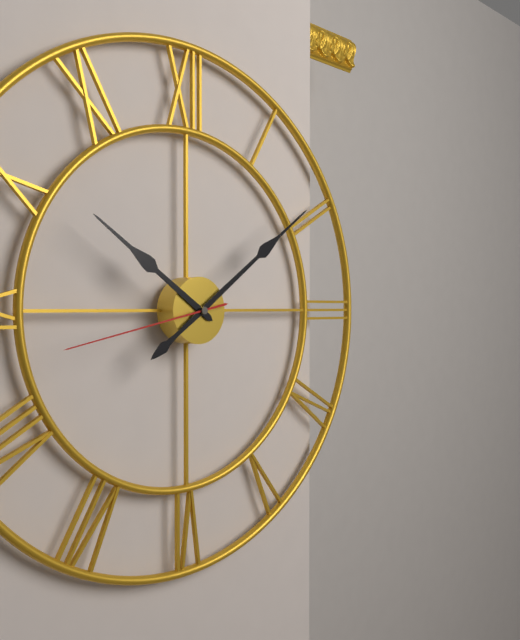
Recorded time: 10:09:43
